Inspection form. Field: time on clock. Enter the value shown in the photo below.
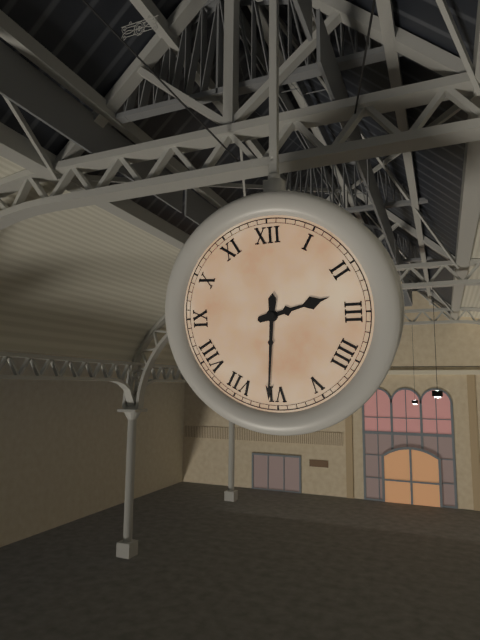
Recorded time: 2:31
